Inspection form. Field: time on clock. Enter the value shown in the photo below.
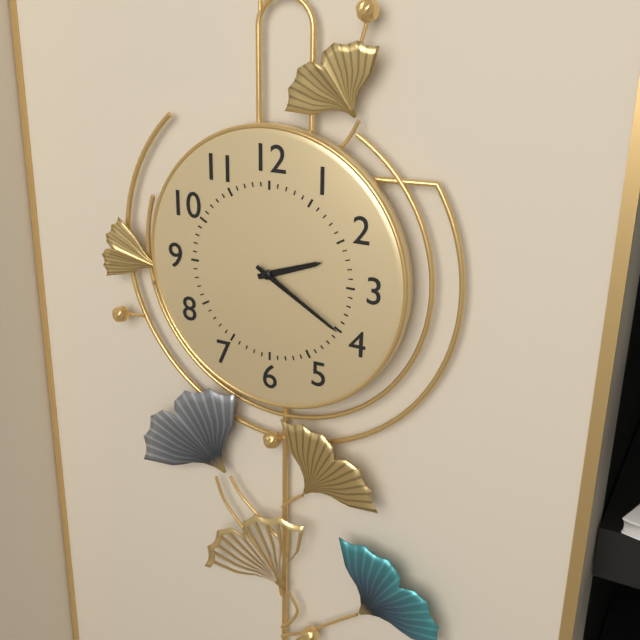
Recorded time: 2:20
